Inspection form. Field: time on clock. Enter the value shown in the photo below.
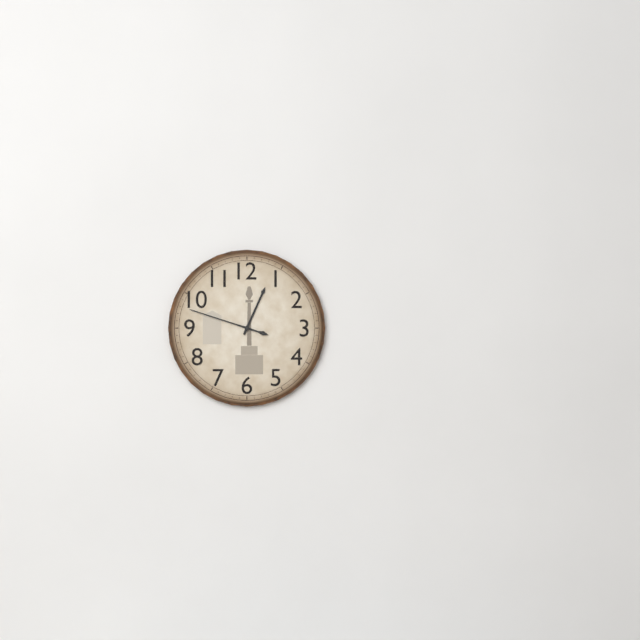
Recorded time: 12:48
